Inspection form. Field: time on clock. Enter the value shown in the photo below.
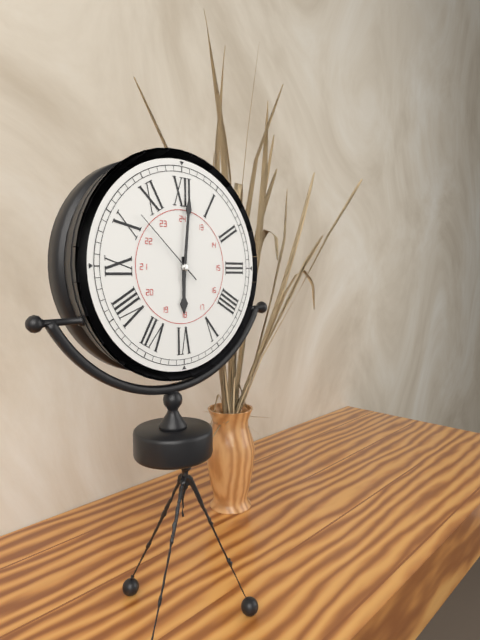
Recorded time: 6:01:52
